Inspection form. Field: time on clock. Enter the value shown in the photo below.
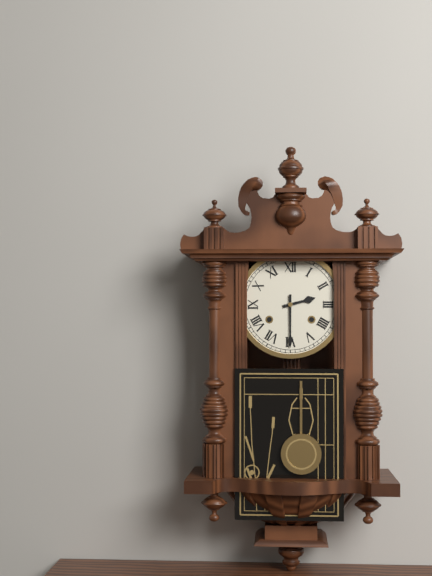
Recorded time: 2:30
